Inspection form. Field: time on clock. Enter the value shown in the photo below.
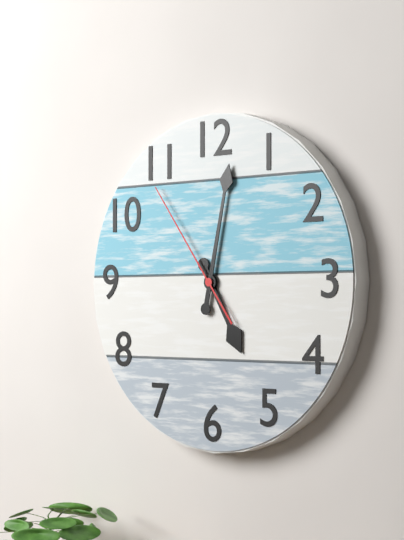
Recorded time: 5:02:54
